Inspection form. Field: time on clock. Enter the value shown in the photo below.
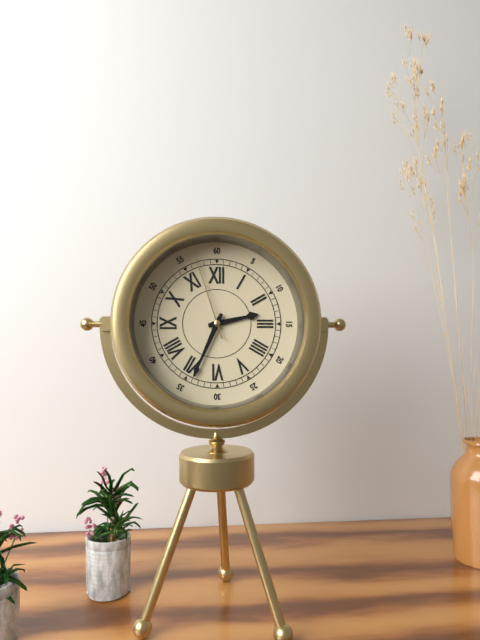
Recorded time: 2:34:57
